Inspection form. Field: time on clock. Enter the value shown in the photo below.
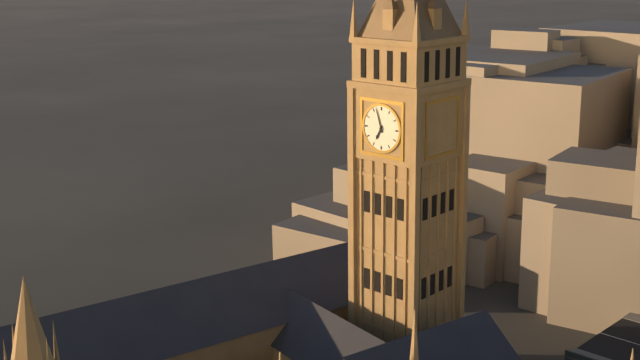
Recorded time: 6:57
